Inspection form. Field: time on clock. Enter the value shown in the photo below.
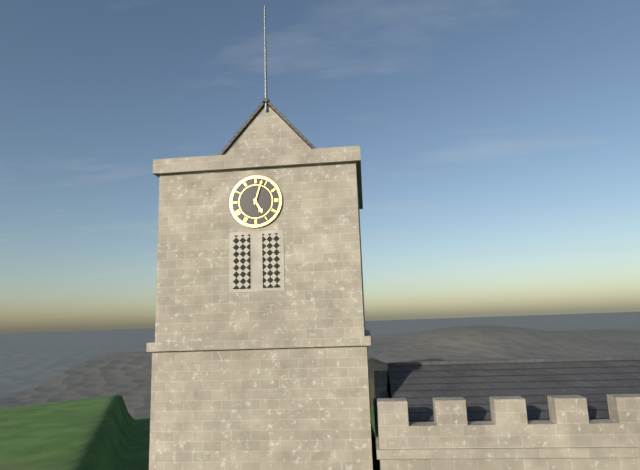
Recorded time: 5:03
